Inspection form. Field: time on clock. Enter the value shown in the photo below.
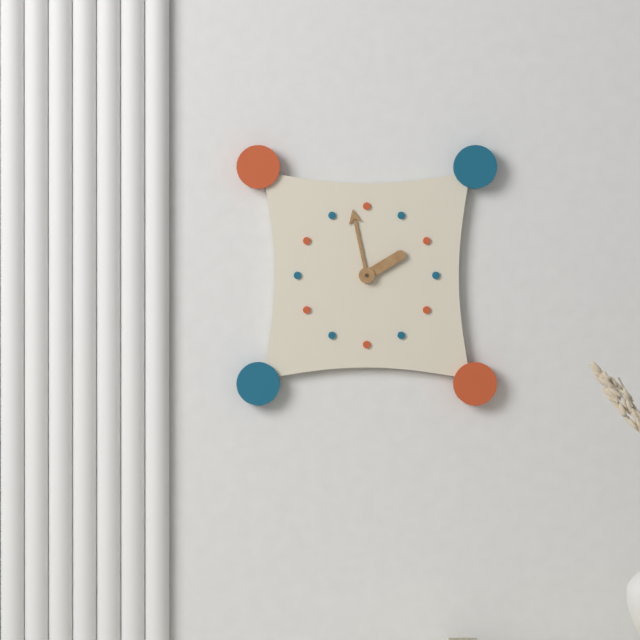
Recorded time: 1:58
